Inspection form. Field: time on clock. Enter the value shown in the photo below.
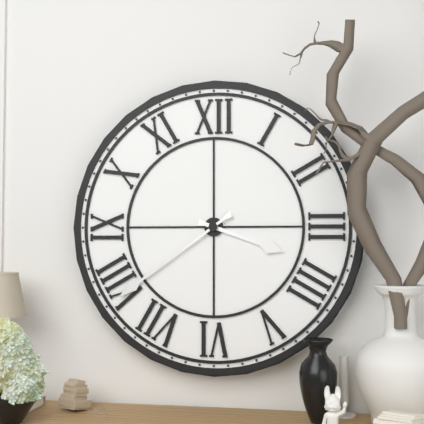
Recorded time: 3:39
